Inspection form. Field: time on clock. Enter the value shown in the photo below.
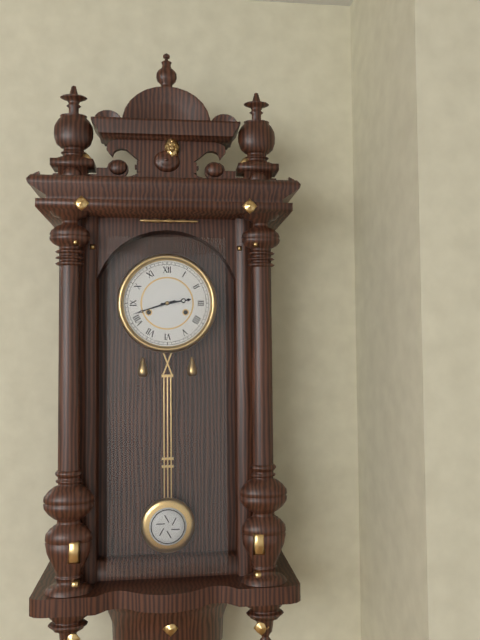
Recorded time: 2:42
